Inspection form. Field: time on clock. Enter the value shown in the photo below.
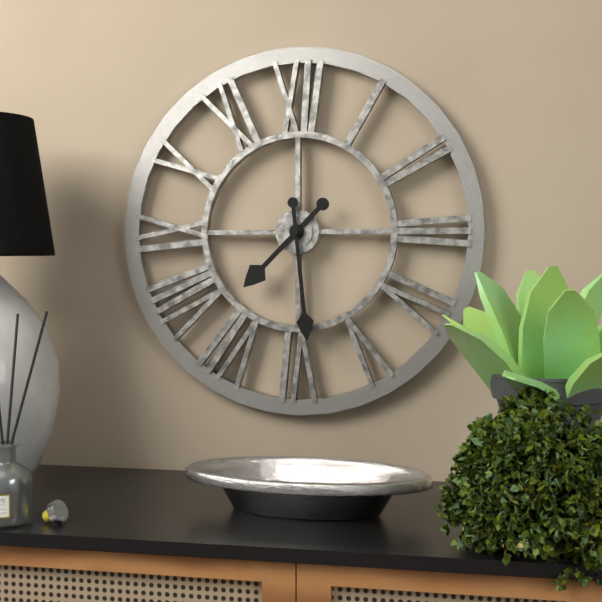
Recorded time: 7:29
